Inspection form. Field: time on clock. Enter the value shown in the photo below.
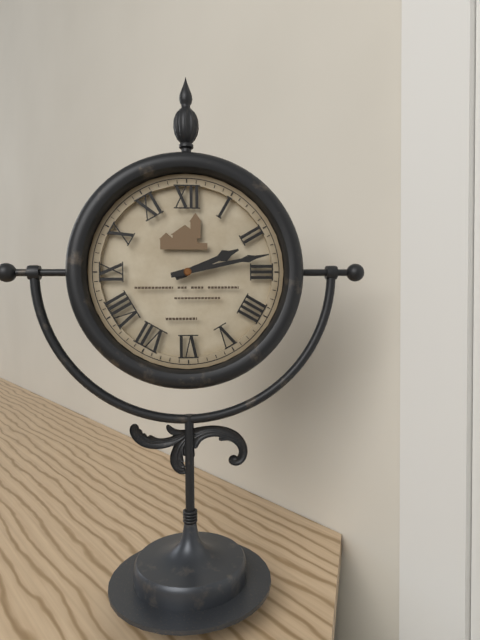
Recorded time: 2:13
